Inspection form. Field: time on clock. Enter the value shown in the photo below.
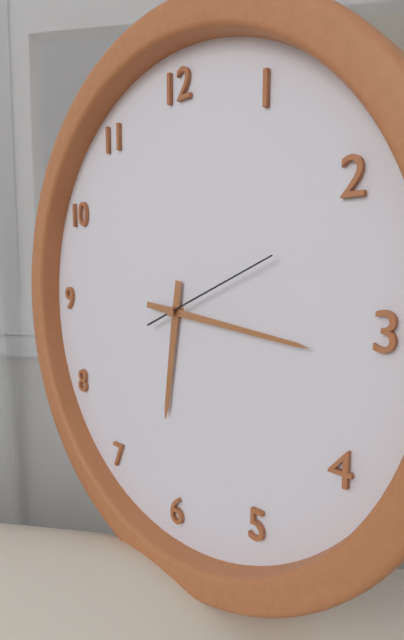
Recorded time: 6:16:11
